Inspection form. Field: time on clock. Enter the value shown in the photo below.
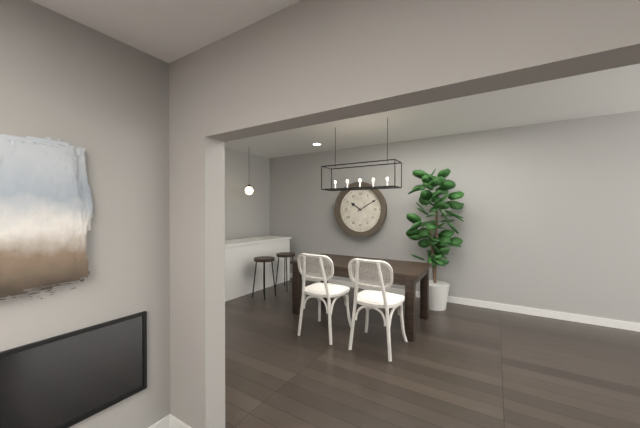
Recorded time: 10:10
